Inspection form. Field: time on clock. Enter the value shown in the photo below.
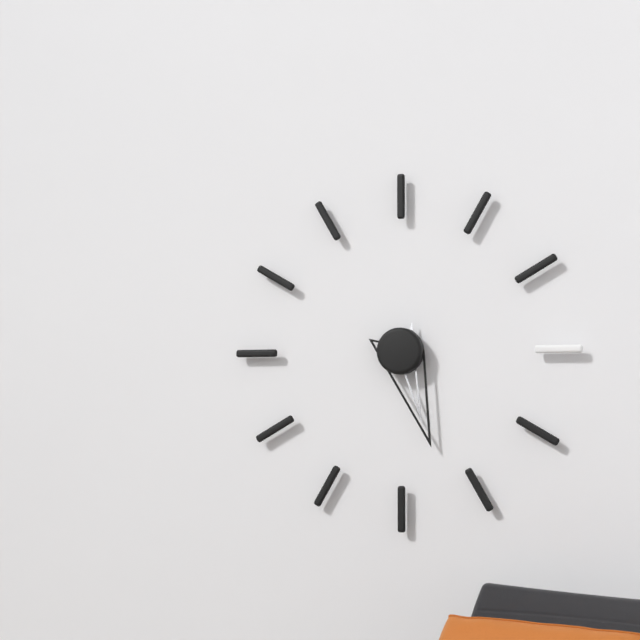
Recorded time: 5:27
